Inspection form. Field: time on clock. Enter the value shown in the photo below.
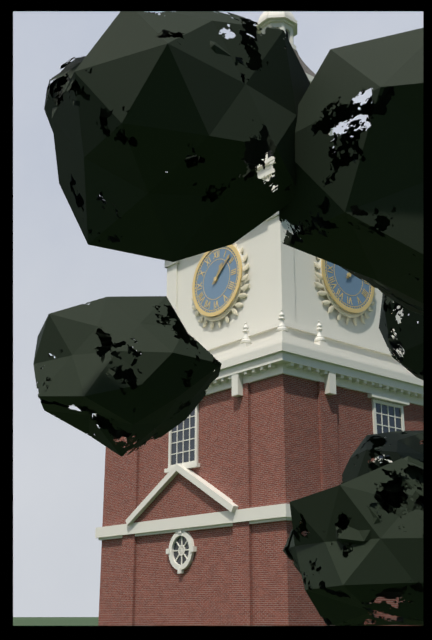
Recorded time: 1:08
